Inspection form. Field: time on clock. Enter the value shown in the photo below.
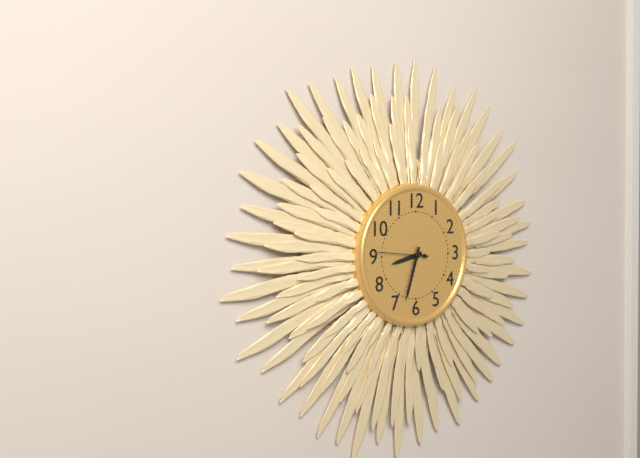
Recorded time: 8:33
